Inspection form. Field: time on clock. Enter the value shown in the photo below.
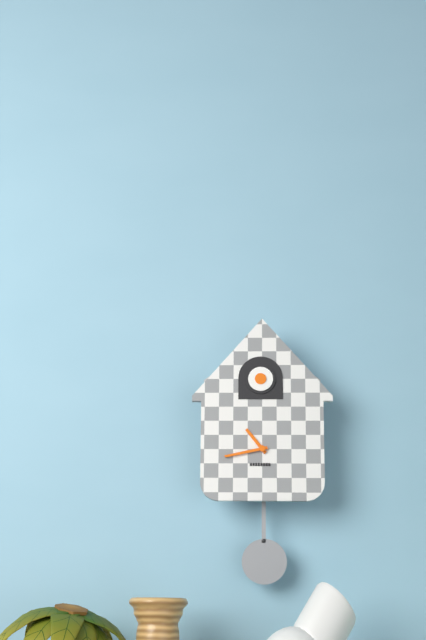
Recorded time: 10:43
